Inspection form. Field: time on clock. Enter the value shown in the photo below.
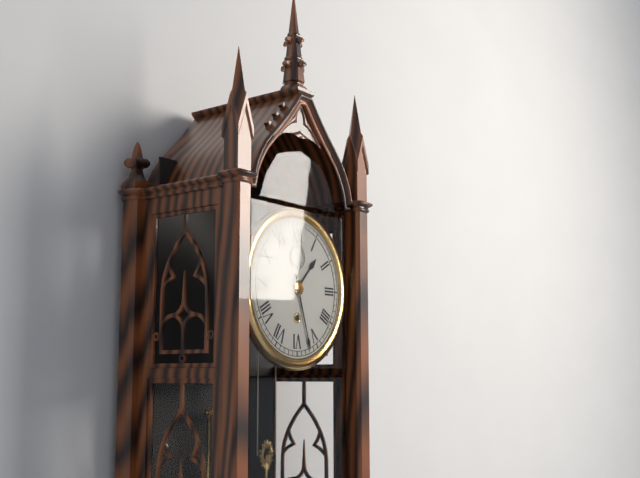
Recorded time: 1:27
